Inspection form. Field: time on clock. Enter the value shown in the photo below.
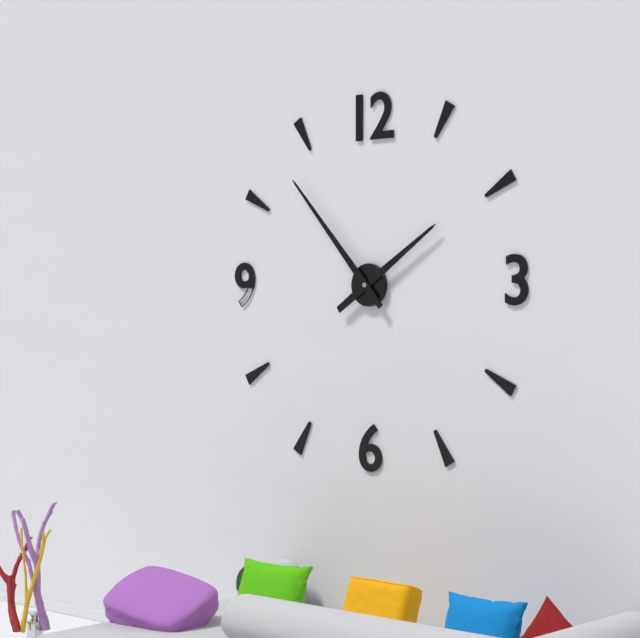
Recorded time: 1:53
